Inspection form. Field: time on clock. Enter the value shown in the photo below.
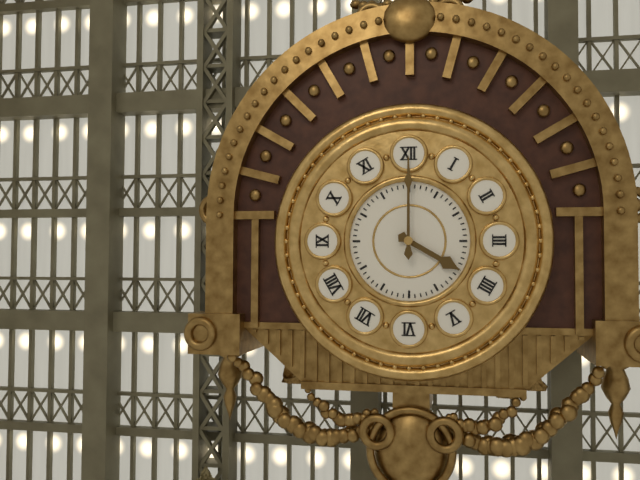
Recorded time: 4:00
